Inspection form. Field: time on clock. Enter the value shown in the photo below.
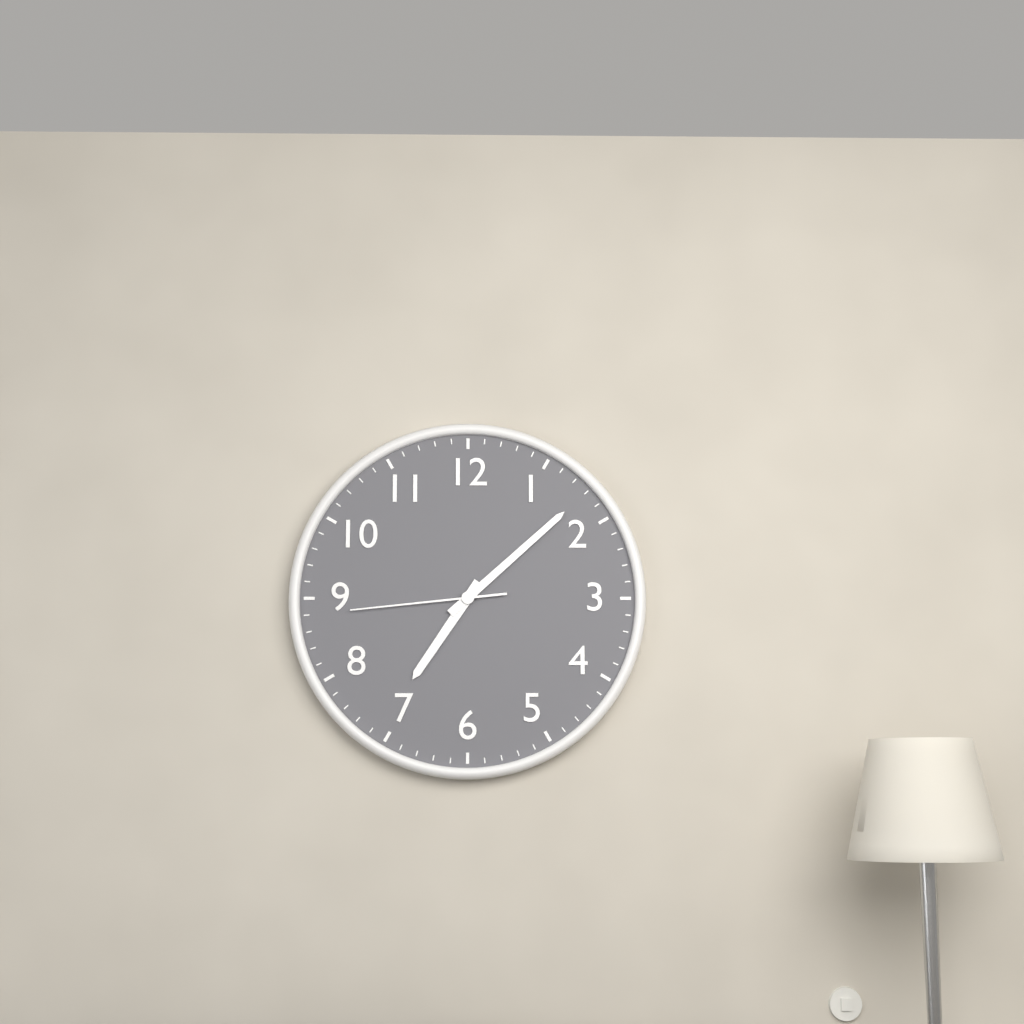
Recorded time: 7:08:44
